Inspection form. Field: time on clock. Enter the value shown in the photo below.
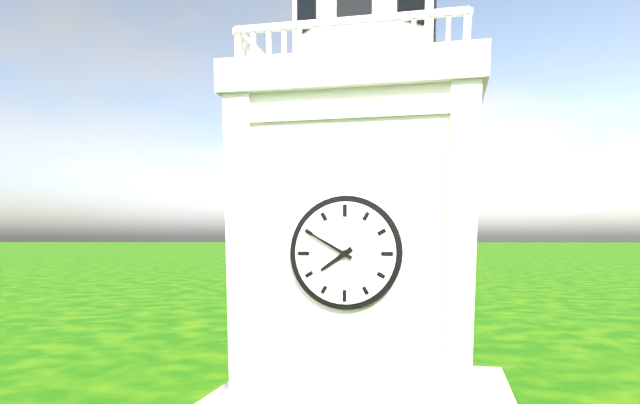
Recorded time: 7:50
